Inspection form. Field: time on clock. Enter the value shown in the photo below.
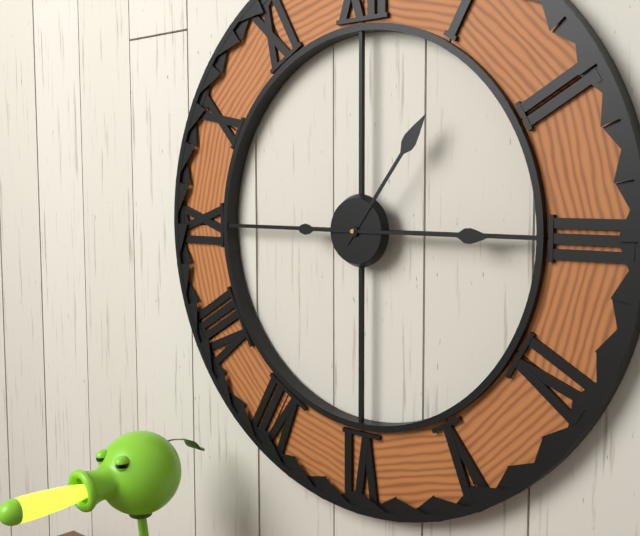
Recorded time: 1:15
